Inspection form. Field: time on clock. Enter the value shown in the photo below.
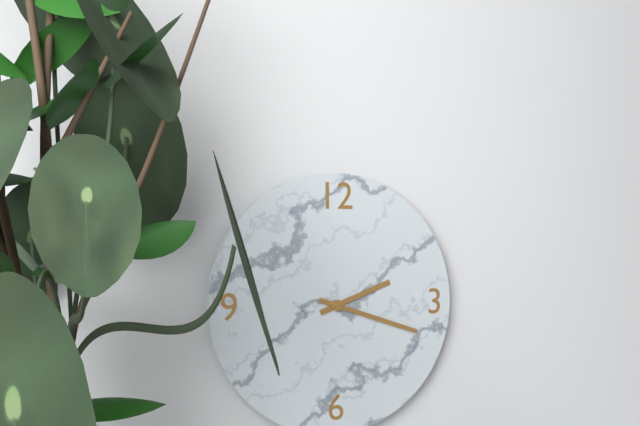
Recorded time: 2:18
